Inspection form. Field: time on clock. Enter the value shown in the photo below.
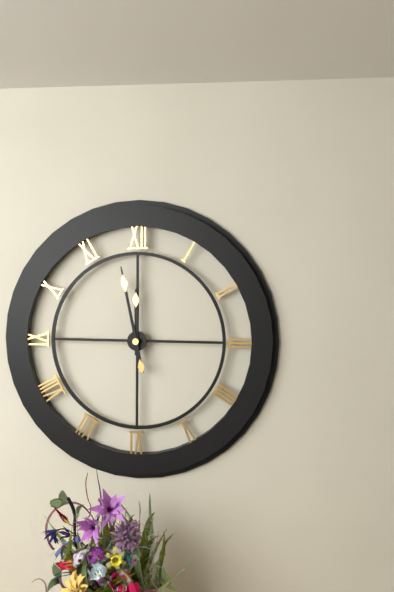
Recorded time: 11:58
